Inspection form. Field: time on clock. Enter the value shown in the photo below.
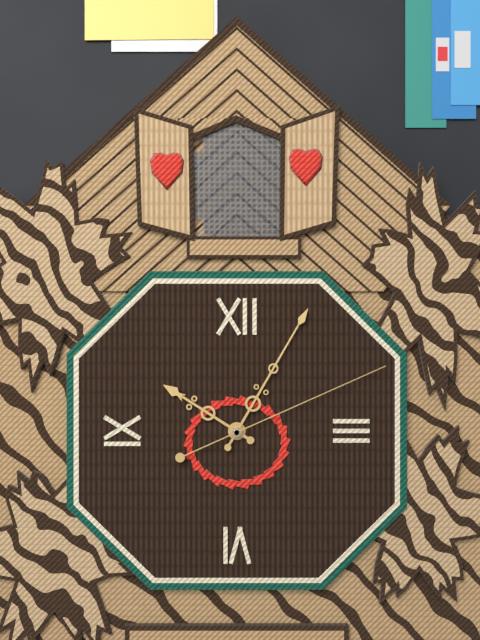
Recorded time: 10:05:11
